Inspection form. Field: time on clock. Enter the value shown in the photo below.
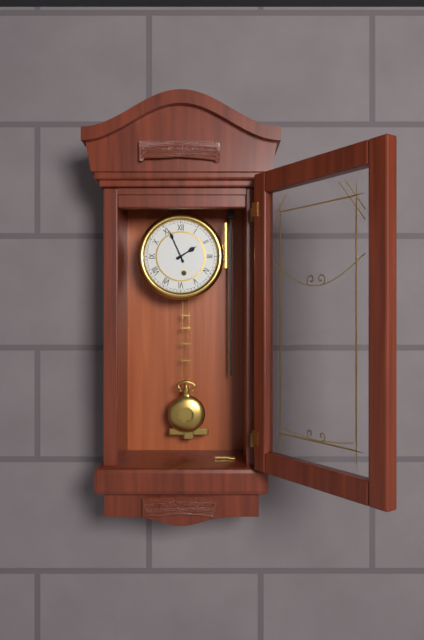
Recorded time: 1:56
